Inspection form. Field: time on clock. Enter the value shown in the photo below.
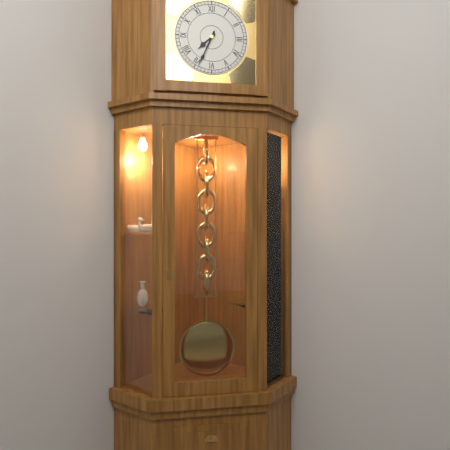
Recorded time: 7:34
